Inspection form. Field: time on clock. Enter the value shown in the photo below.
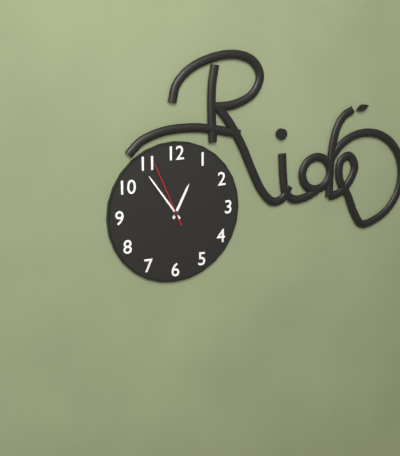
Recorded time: 12:54:56
